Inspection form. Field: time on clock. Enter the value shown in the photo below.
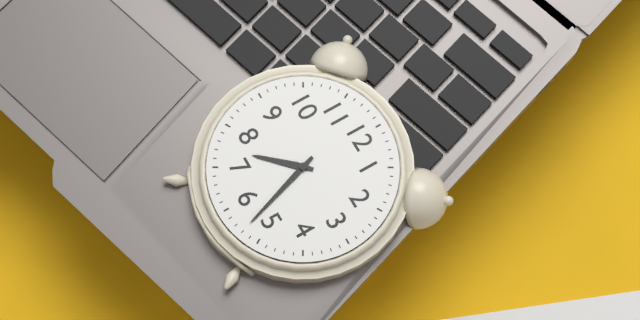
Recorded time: 7:27
